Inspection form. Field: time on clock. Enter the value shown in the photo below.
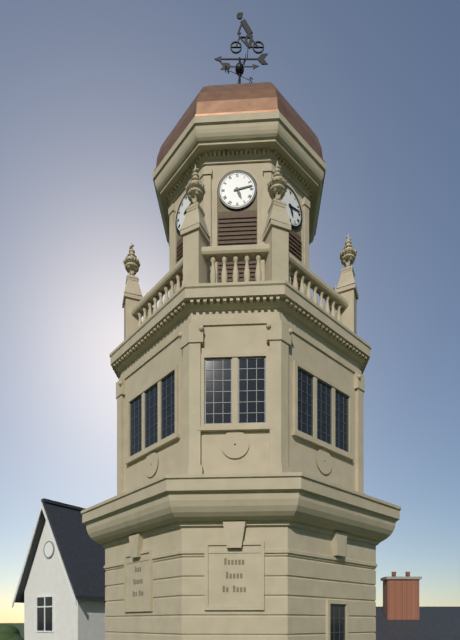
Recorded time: 5:13
